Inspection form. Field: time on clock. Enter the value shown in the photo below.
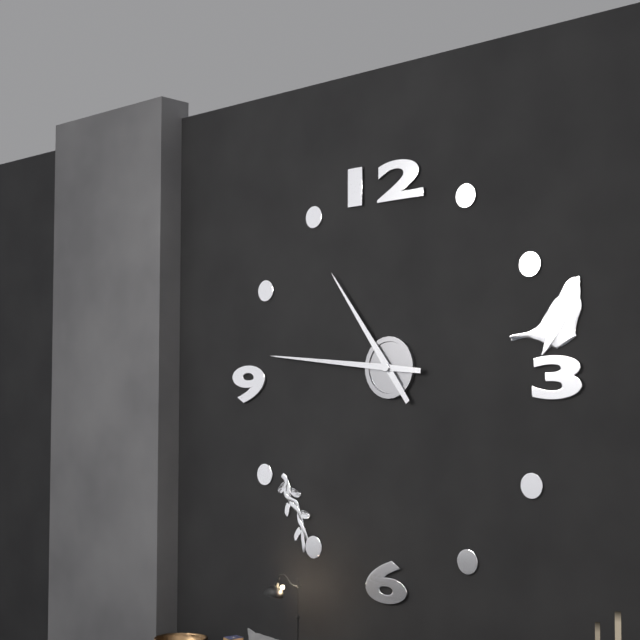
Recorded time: 10:46
